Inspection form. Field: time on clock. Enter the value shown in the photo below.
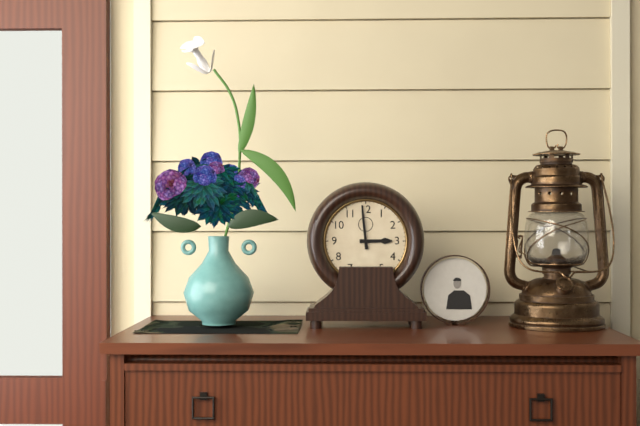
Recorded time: 2:59
